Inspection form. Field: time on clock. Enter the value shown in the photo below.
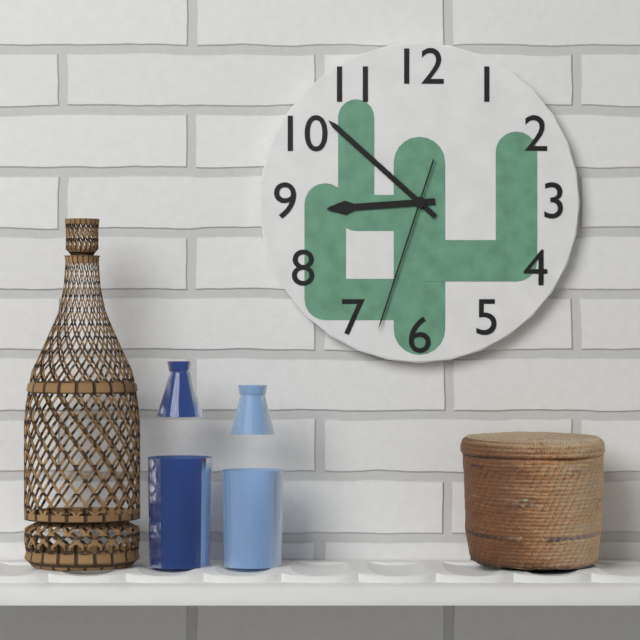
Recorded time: 8:52:33
